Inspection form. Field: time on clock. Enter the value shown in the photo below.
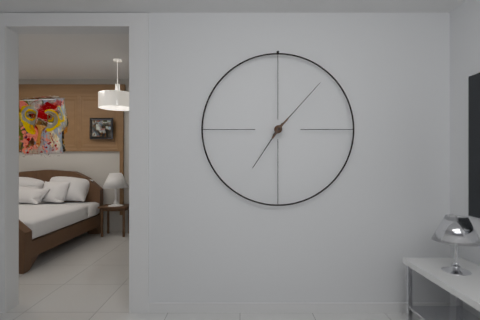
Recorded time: 7:07
